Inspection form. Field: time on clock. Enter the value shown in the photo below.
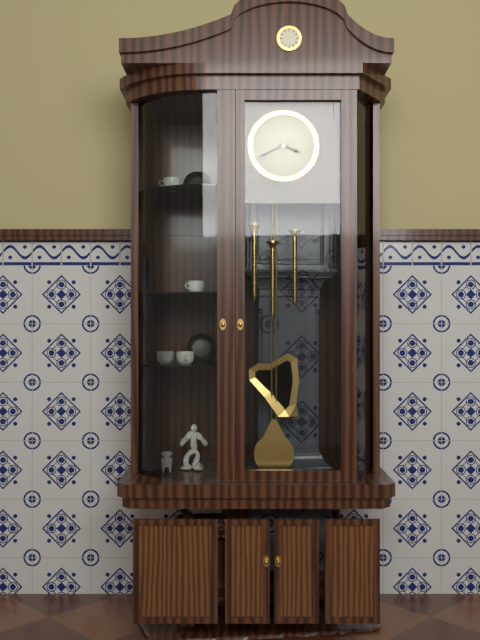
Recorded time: 3:41
